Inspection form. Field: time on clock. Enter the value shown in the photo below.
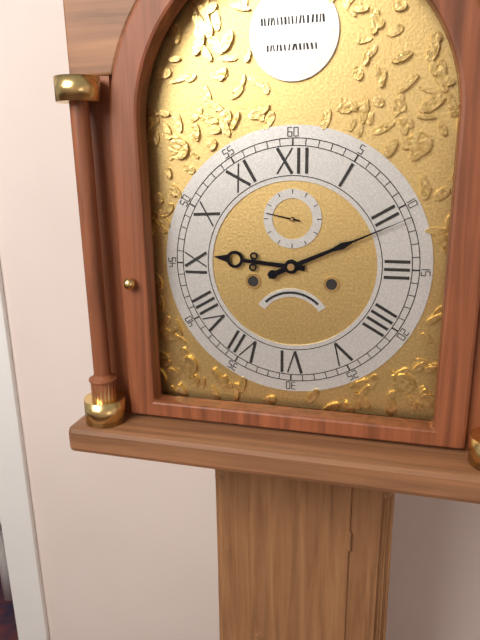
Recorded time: 9:11
